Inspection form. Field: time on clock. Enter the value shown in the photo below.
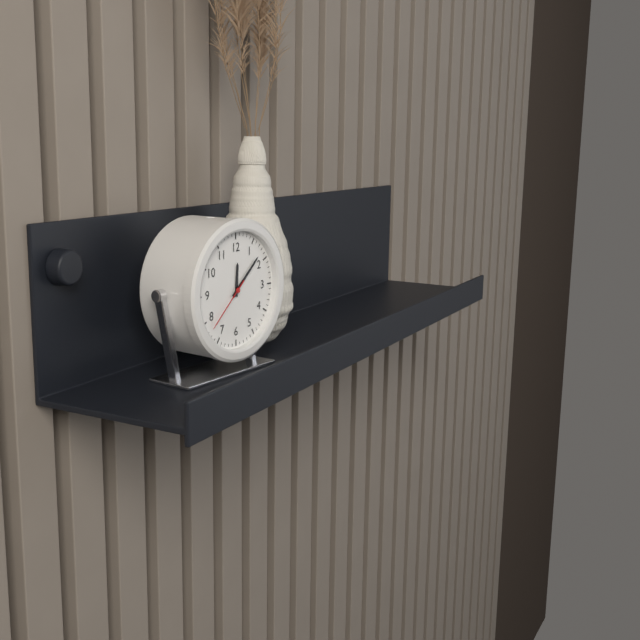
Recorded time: 12:08:38
